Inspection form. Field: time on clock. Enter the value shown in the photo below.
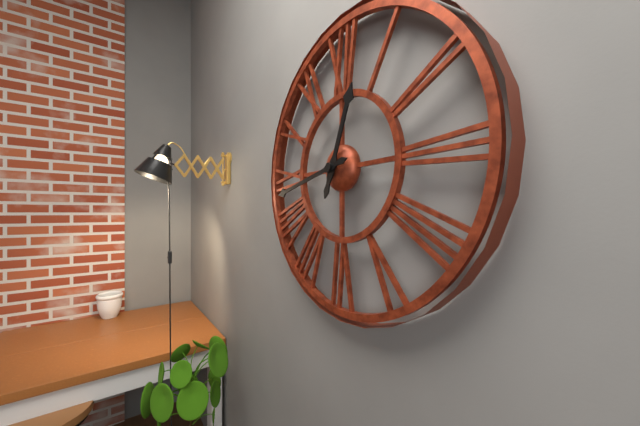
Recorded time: 12:43
